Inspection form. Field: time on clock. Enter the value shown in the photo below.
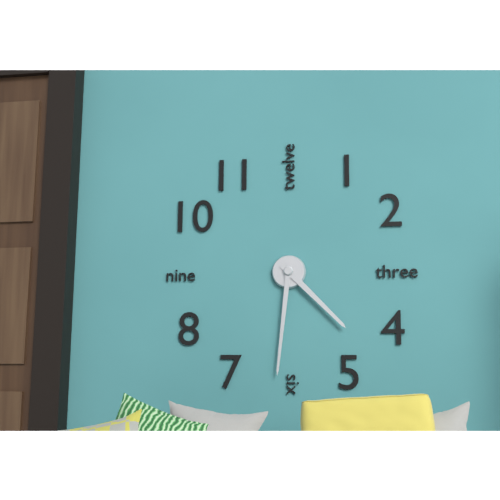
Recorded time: 4:31
